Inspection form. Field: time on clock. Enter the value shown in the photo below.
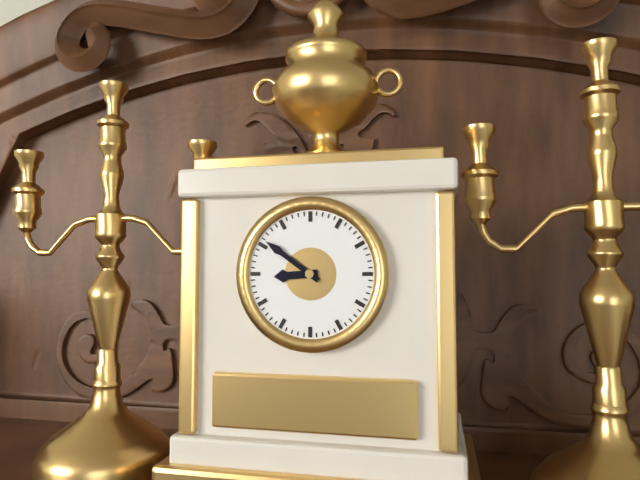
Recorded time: 8:51
